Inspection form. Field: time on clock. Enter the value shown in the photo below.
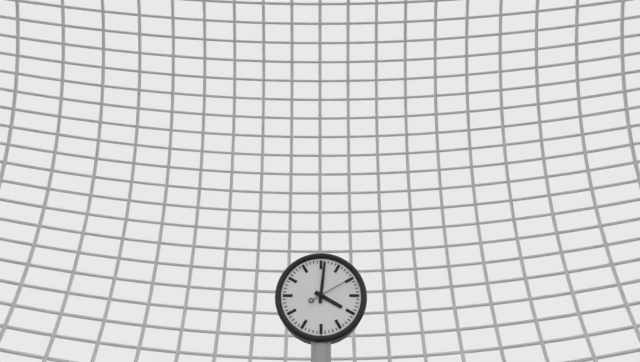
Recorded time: 4:01
